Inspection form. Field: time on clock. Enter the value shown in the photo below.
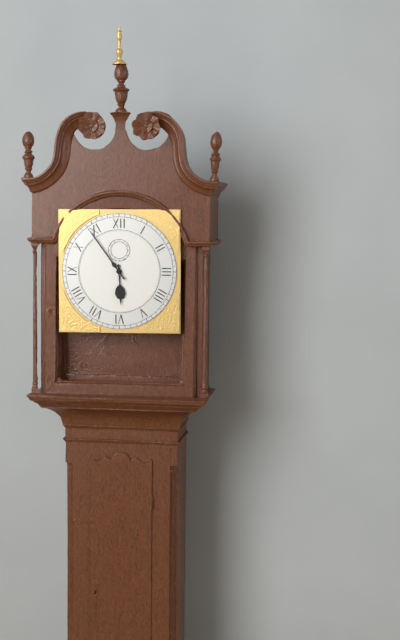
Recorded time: 5:54
